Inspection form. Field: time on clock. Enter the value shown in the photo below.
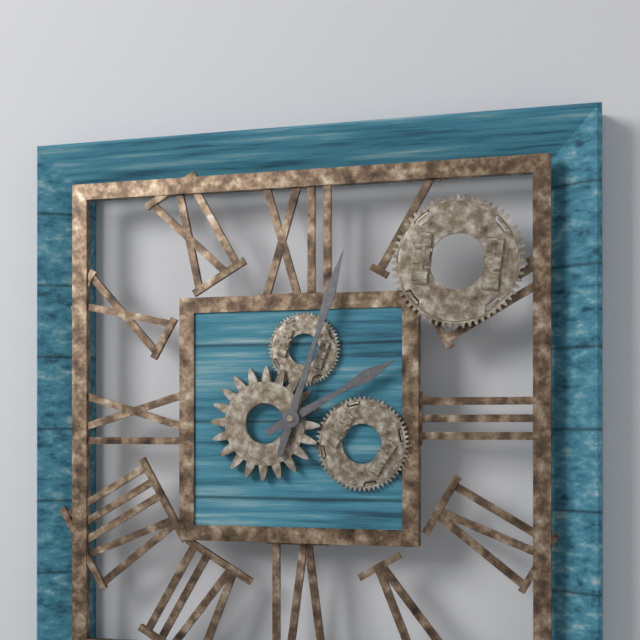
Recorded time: 2:03
